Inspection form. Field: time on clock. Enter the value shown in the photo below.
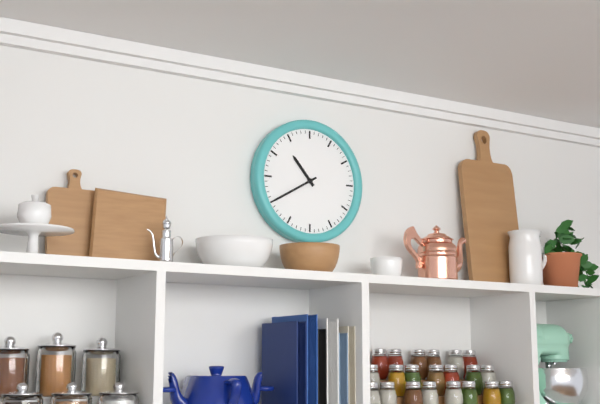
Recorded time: 10:40
